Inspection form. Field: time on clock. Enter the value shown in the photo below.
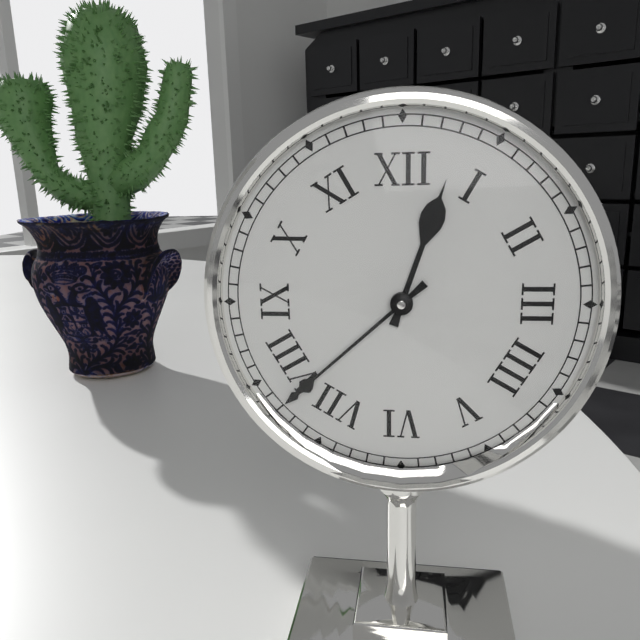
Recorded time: 12:38
